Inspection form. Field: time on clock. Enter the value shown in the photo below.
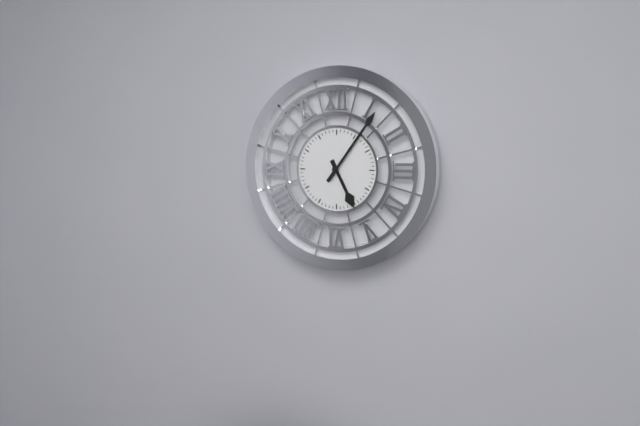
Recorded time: 5:06
